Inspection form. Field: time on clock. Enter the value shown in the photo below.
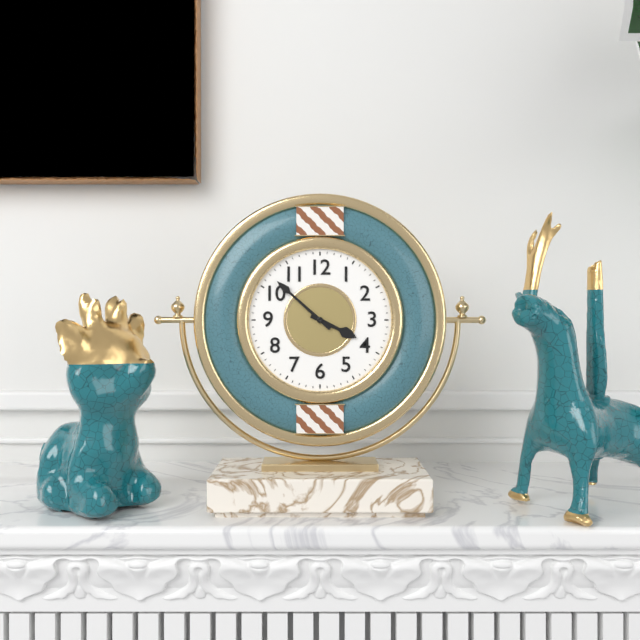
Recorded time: 3:52
